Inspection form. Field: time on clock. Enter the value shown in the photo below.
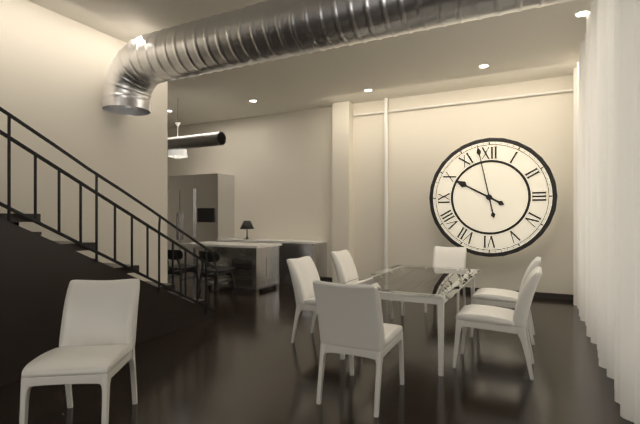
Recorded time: 9:58
